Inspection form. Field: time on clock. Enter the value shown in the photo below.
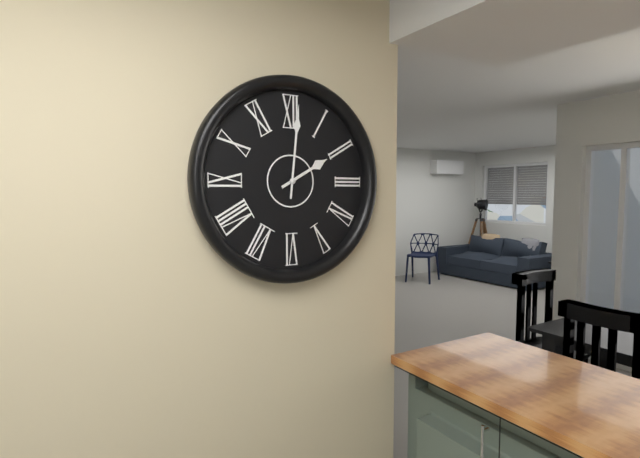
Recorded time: 2:01
